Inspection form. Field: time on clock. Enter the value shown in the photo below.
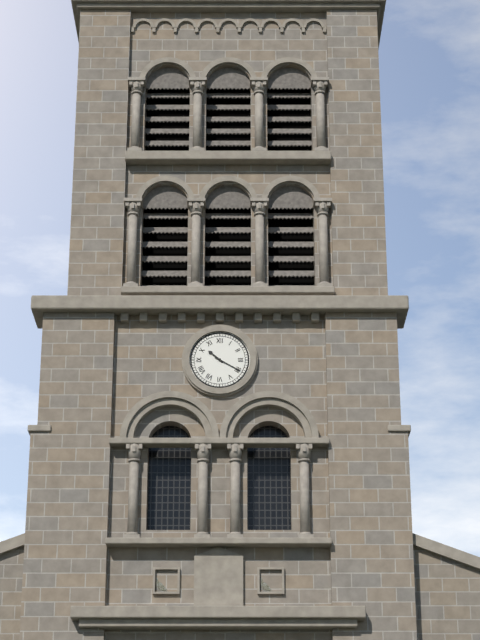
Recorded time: 10:20
